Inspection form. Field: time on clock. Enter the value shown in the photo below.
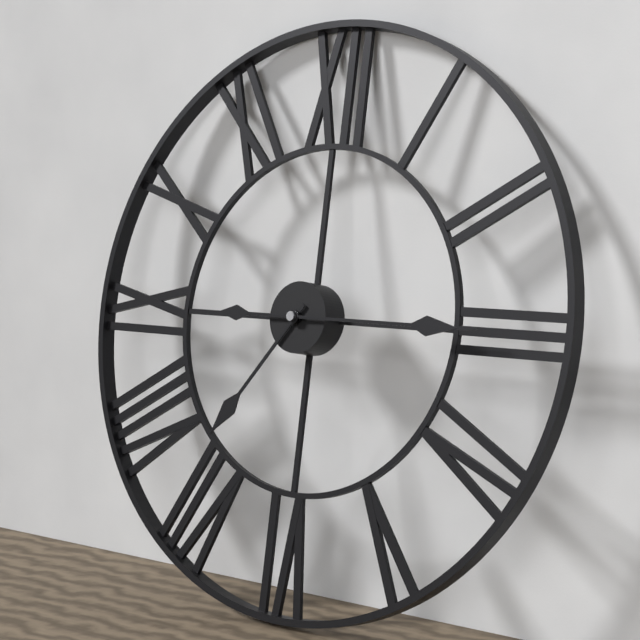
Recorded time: 7:15
